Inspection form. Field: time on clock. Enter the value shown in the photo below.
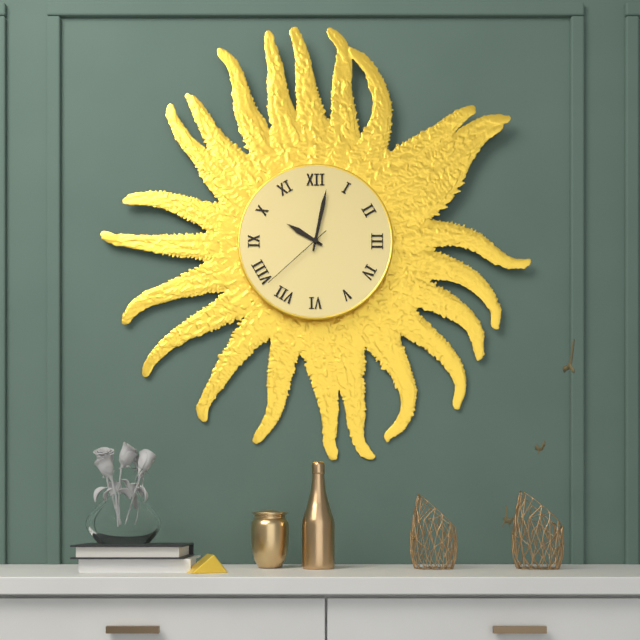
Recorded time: 10:02:38
